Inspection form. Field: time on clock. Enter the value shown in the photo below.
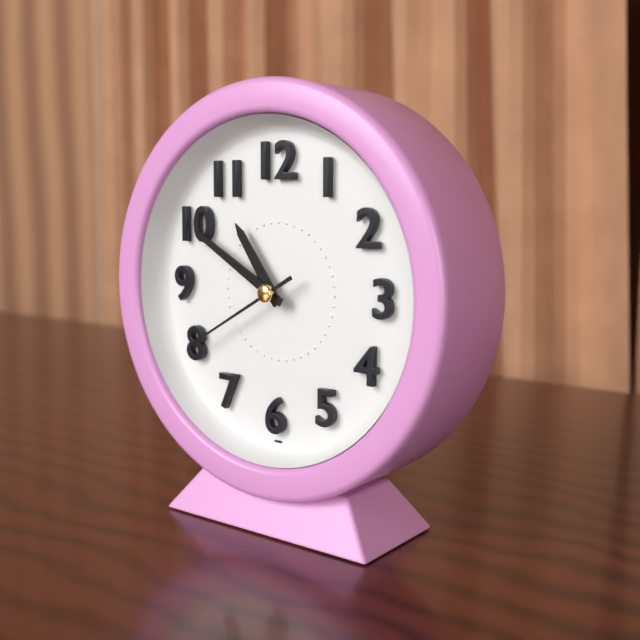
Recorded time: 10:50:40
